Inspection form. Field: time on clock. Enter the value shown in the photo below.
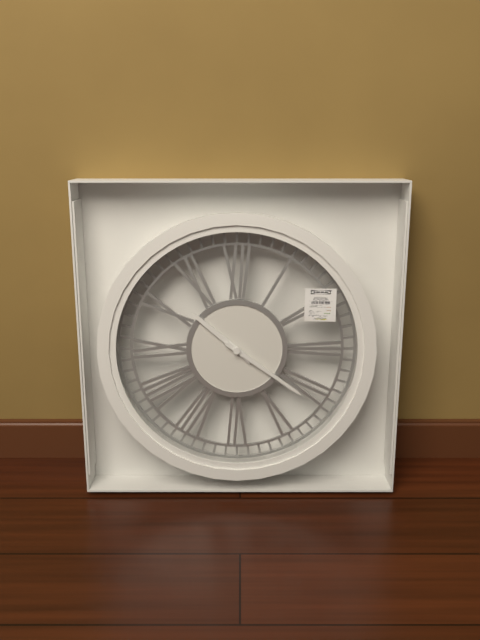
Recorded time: 10:21
